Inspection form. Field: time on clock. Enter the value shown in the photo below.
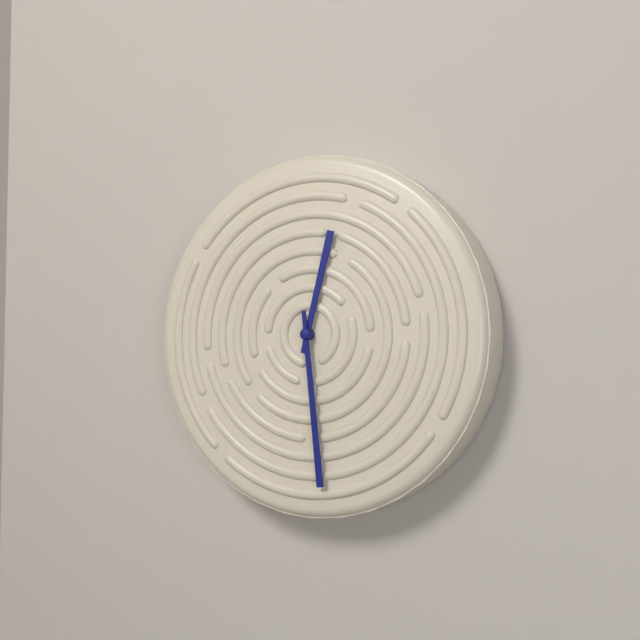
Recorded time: 12:29
